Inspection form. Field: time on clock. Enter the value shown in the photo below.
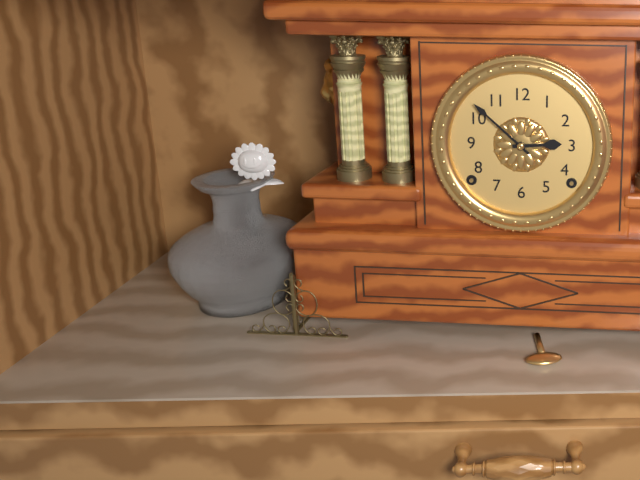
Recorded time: 2:52
